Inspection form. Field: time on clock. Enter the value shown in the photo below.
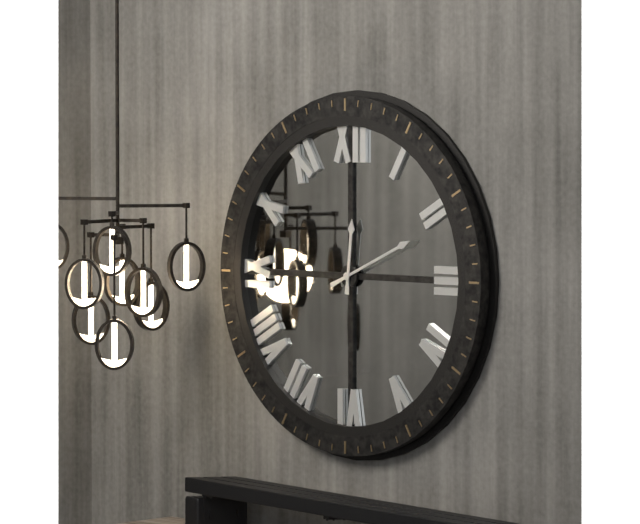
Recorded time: 12:11
